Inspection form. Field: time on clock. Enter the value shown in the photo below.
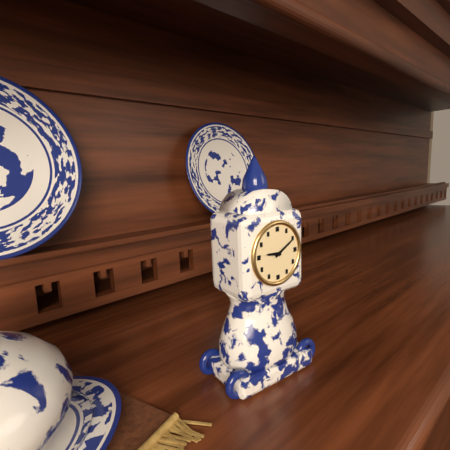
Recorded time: 9:10
